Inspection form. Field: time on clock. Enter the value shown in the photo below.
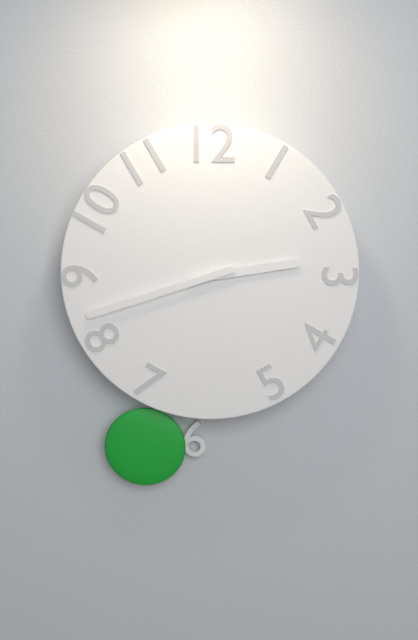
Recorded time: 2:42
